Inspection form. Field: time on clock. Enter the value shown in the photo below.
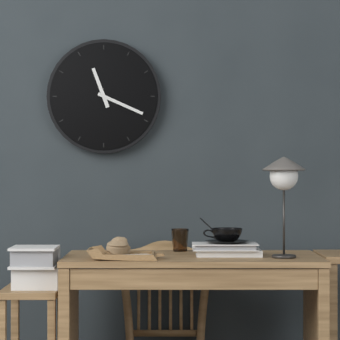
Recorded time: 11:19
